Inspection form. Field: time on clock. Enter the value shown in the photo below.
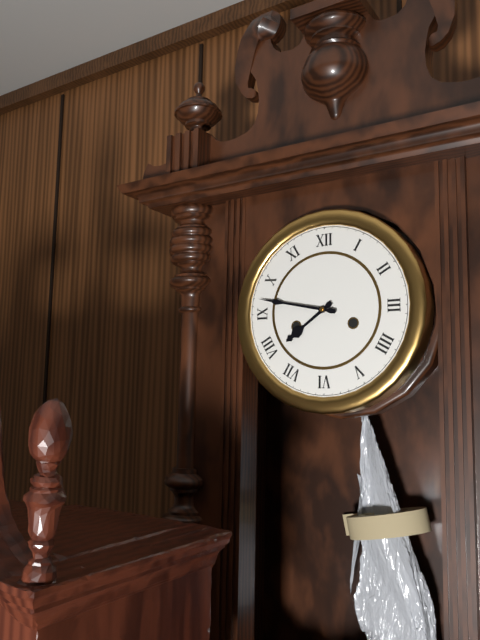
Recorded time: 7:47
